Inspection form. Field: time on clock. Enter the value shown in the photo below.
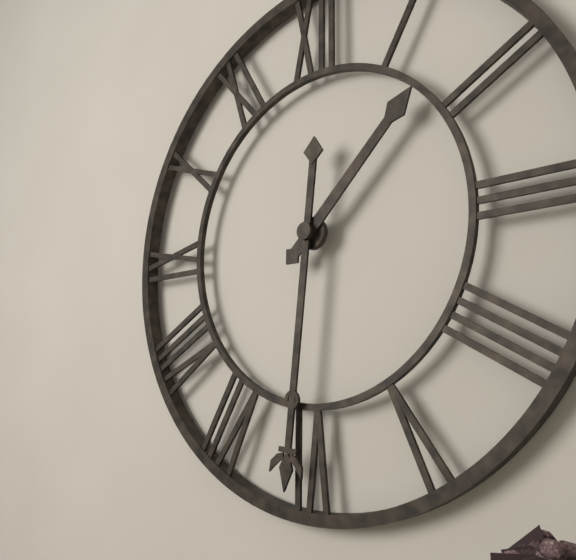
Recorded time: 1:31
